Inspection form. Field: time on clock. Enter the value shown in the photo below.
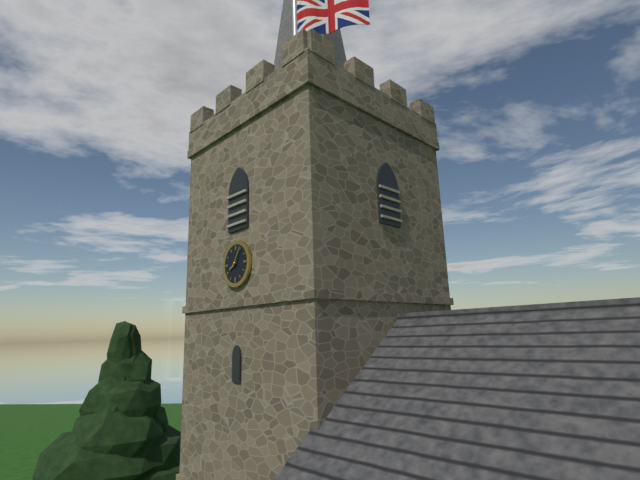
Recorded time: 8:05
